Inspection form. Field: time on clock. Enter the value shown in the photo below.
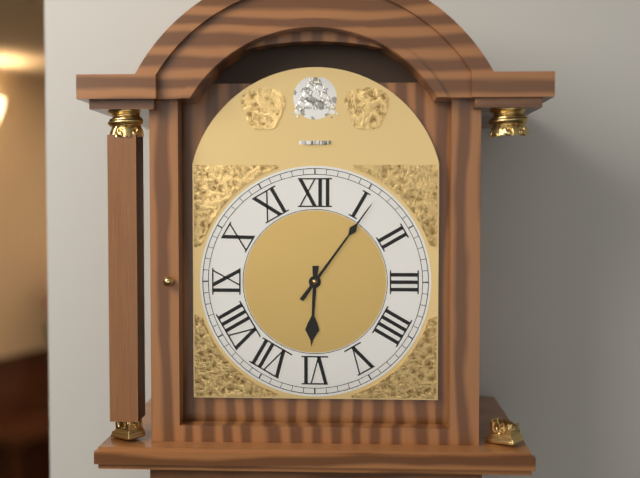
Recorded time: 6:06
